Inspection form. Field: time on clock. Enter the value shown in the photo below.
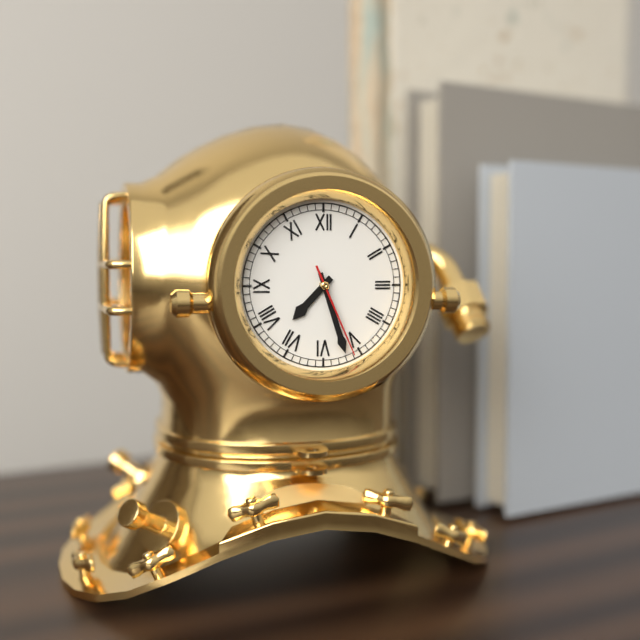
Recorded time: 7:27:26
